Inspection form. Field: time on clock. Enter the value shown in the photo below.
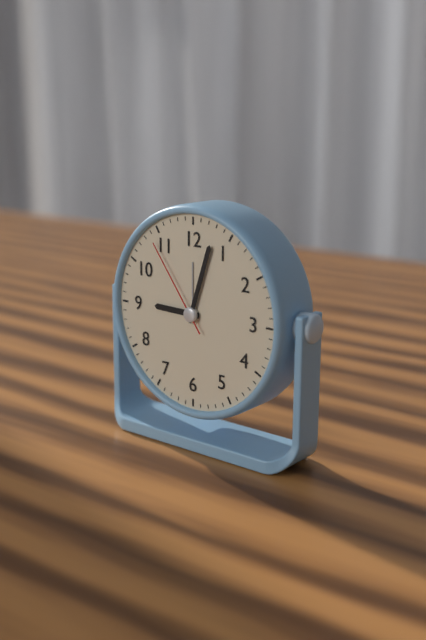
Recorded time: 9:03:54
